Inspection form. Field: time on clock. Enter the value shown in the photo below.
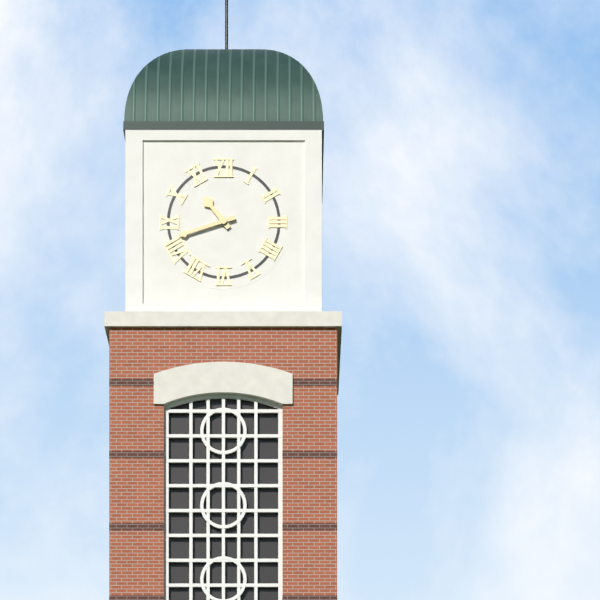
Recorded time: 10:42
